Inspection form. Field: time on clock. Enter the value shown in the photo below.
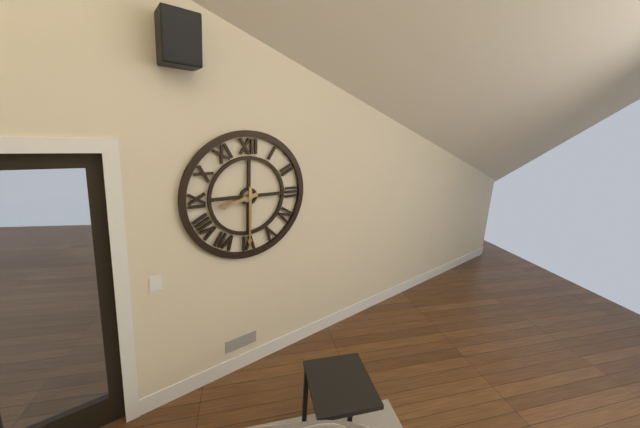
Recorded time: 8:30
